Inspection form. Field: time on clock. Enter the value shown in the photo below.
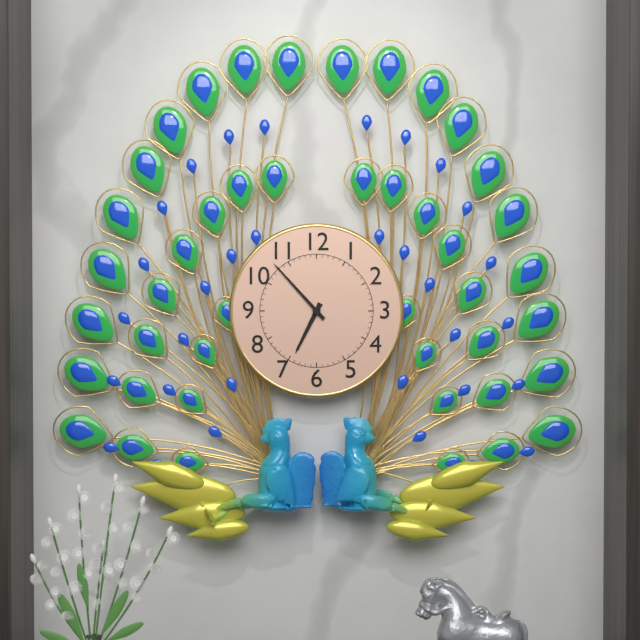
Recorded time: 6:53
